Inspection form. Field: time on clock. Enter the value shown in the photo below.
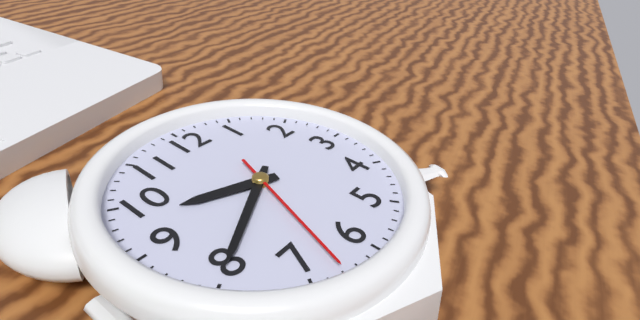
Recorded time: 9:40:33
